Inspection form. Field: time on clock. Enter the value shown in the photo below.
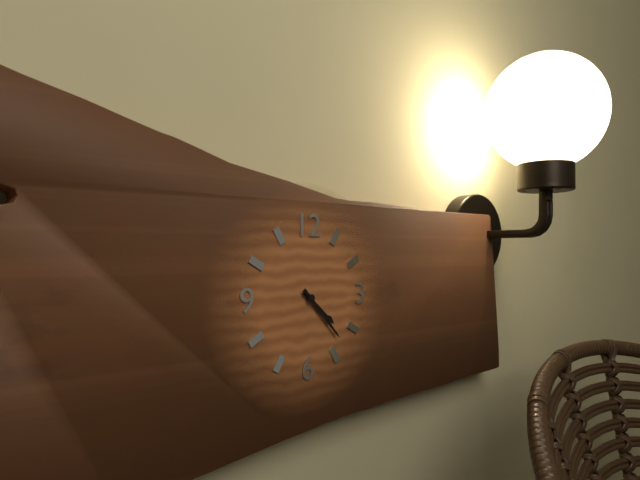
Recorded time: 4:23
